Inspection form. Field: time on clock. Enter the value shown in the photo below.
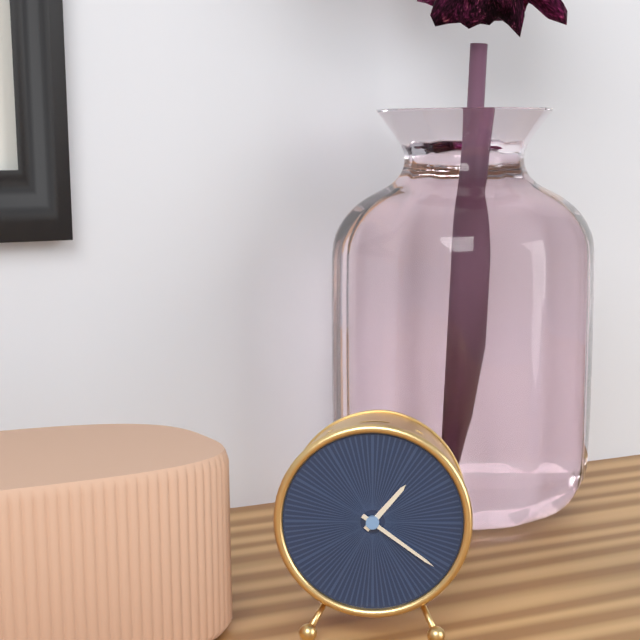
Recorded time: 1:21
